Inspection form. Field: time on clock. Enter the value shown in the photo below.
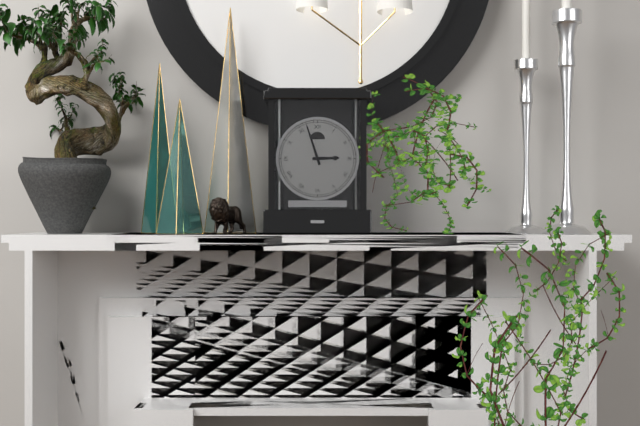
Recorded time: 2:57
